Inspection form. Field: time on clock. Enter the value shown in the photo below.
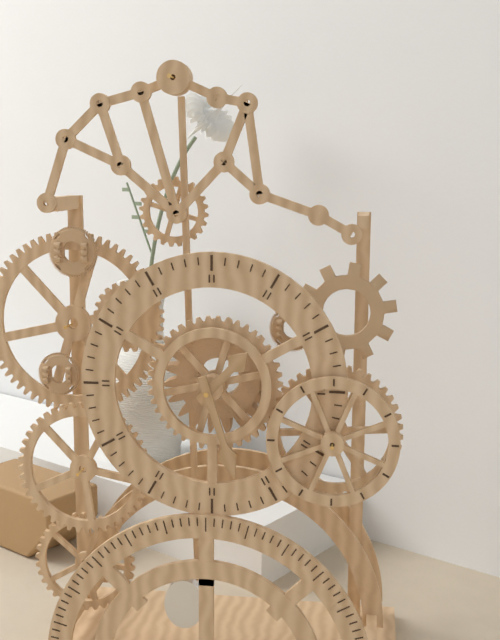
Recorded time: 1:27
